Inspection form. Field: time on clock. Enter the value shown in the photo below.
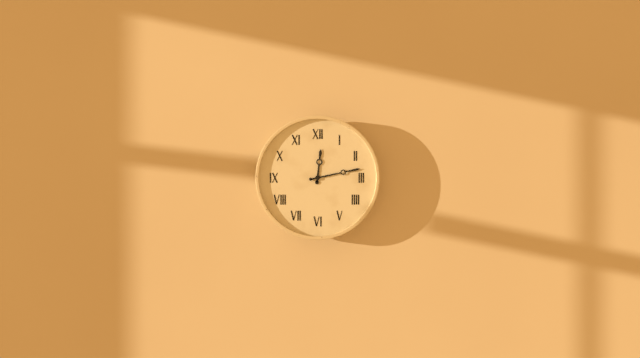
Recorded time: 12:13
